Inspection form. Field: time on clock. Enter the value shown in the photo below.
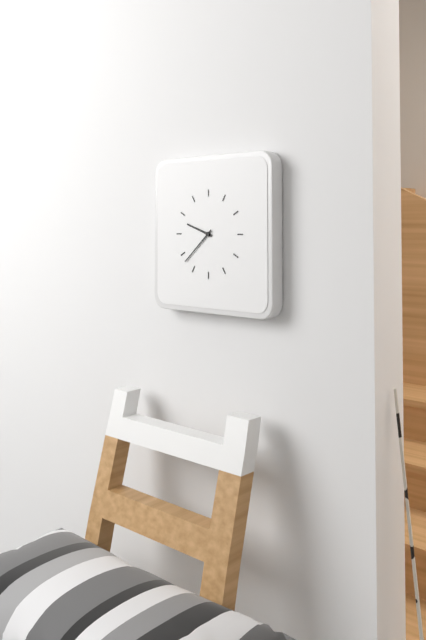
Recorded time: 9:38
